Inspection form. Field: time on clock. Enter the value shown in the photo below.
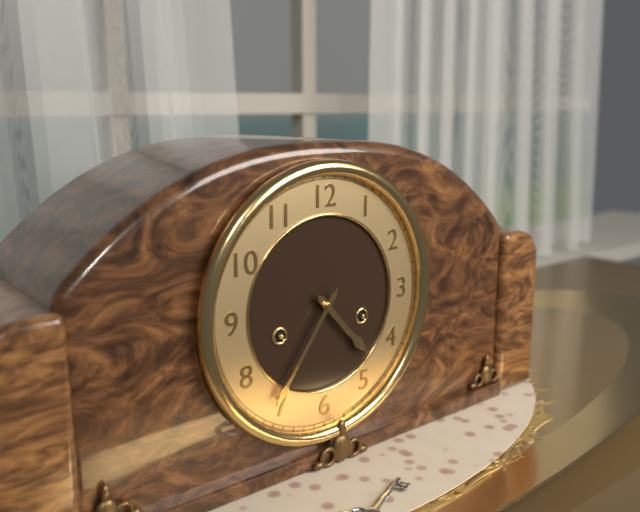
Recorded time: 4:36
